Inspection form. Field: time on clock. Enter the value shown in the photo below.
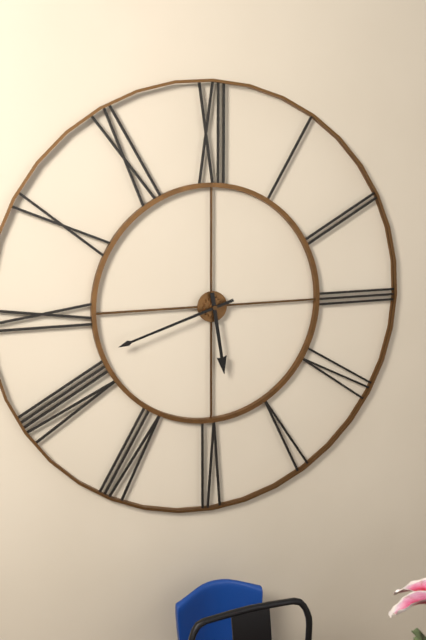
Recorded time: 5:42
